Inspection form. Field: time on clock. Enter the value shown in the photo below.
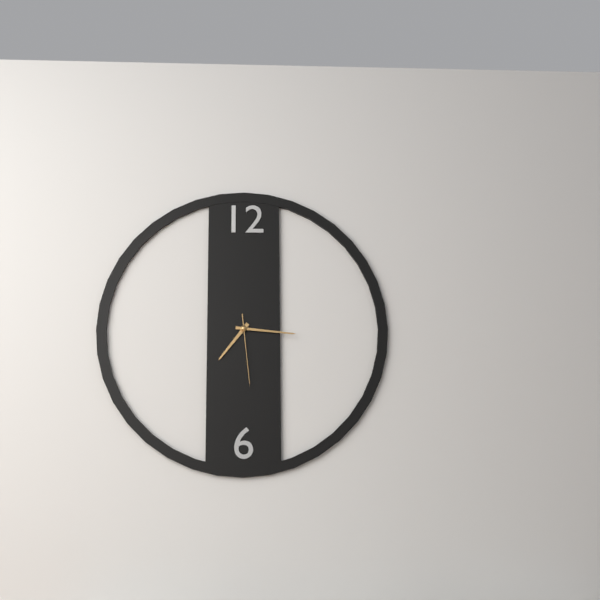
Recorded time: 7:16:29
